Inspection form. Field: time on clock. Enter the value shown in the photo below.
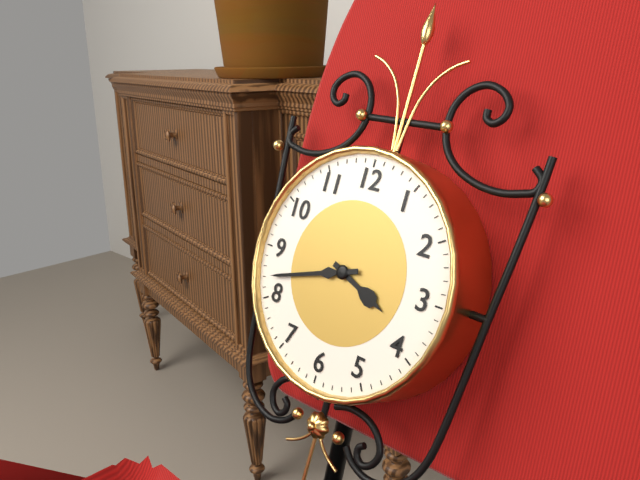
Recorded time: 3:42
